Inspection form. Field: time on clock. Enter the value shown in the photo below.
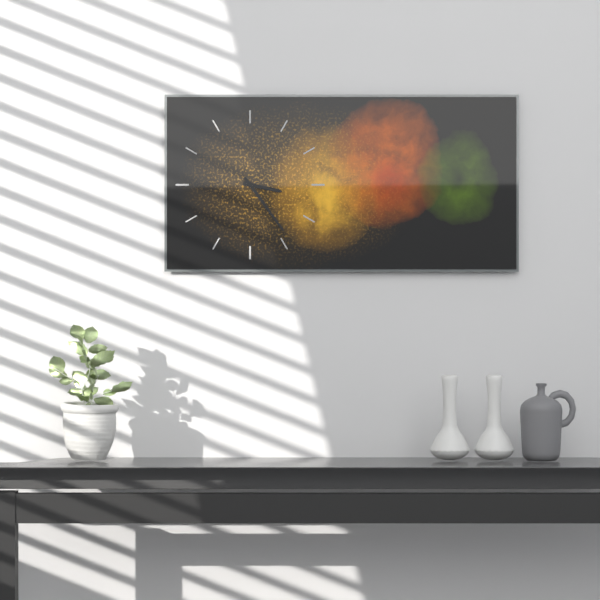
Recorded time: 3:24
